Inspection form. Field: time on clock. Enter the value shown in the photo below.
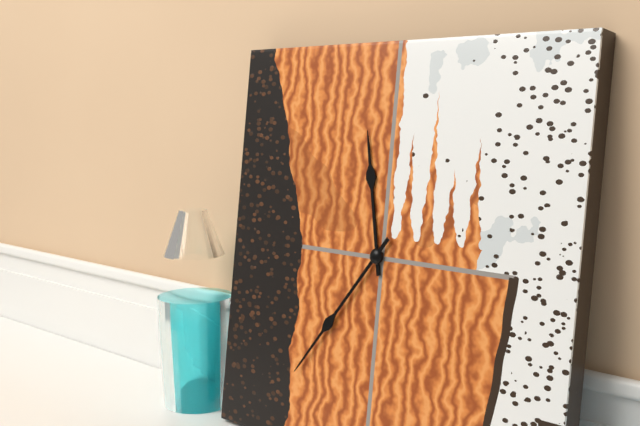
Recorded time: 11:36
